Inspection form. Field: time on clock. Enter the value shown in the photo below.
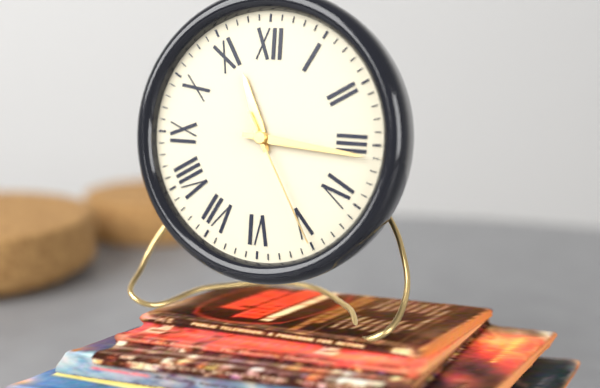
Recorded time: 11:16:25
